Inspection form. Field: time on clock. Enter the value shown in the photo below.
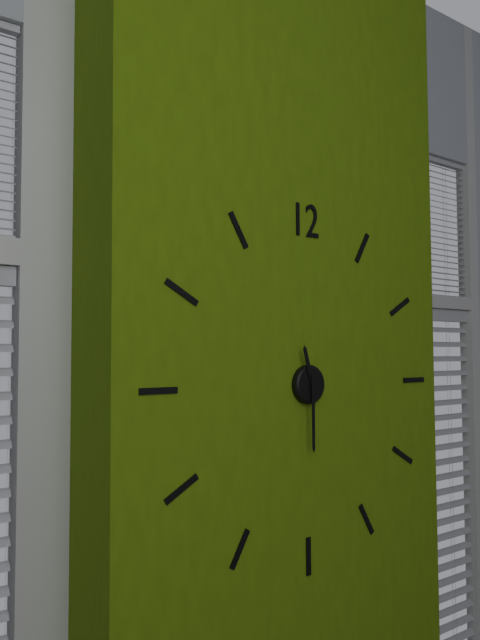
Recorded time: 11:30
